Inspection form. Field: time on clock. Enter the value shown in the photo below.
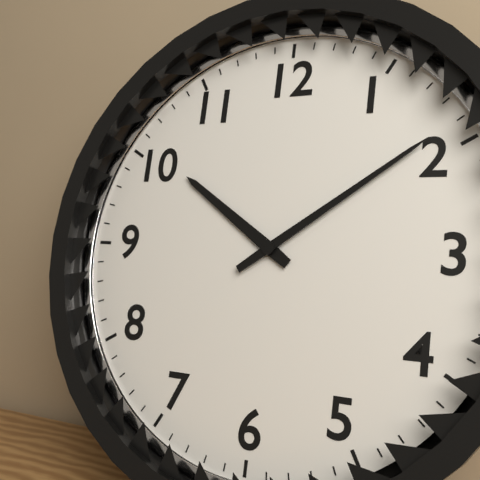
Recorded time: 10:09
